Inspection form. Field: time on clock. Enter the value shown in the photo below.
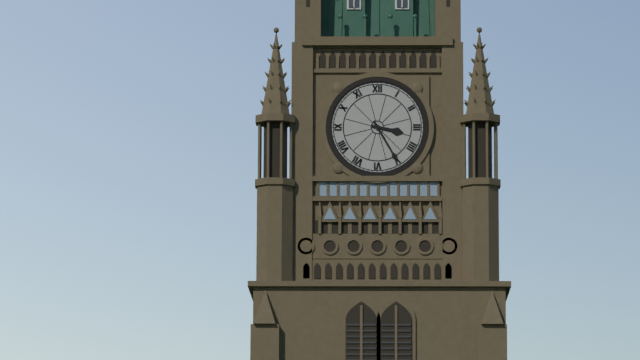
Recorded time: 3:25
